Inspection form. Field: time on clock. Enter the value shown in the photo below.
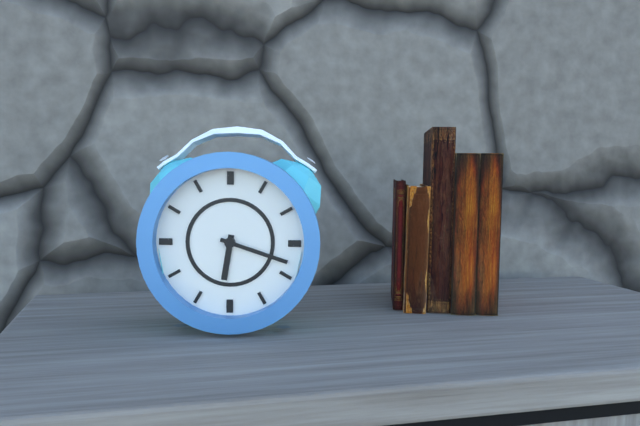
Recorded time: 6:18
